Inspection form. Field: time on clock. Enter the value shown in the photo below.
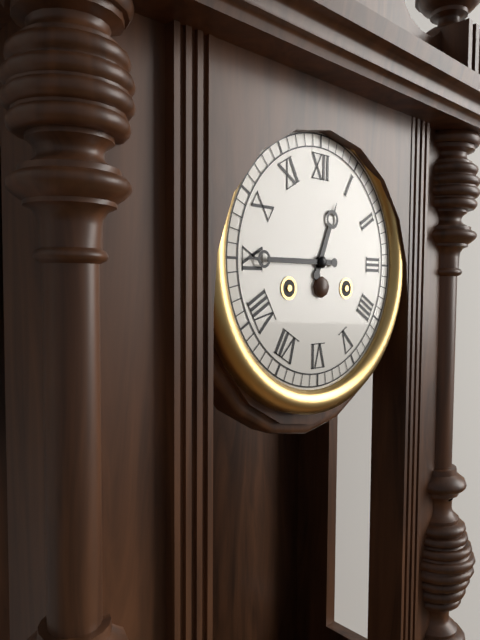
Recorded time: 12:45
